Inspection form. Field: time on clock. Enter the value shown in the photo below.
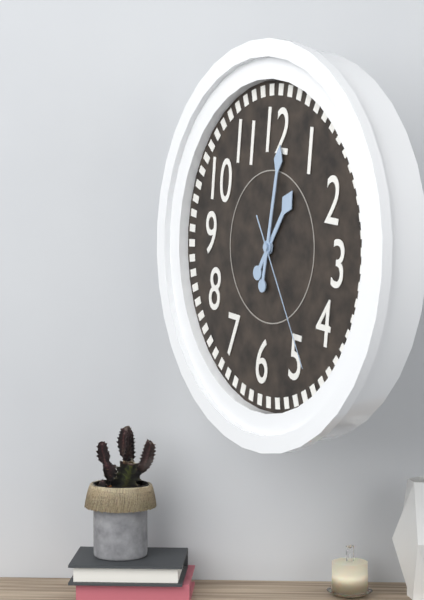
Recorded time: 1:01:24
